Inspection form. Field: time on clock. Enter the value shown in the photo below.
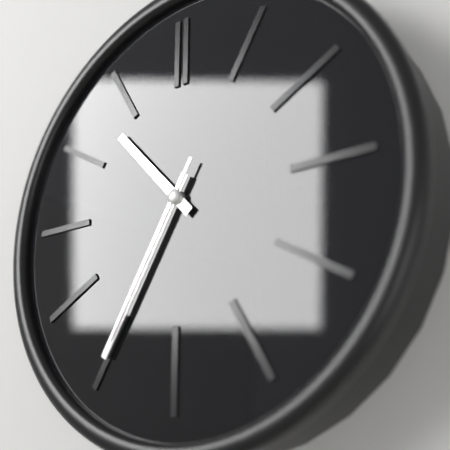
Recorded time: 10:35:35
